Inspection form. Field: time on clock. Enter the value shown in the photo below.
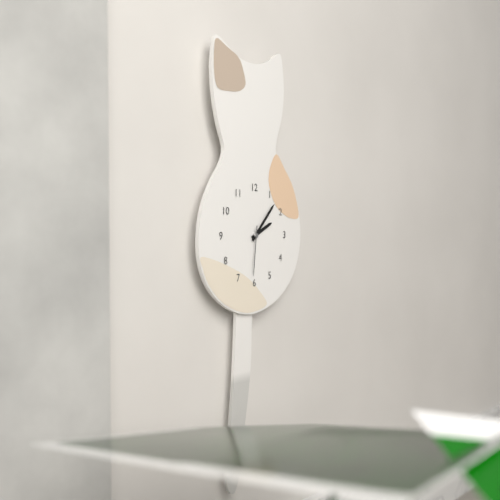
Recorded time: 2:07:31
